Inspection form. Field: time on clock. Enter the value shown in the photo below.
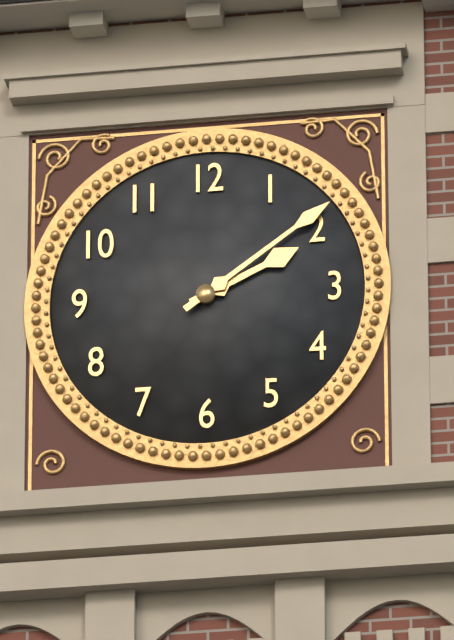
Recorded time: 2:09
